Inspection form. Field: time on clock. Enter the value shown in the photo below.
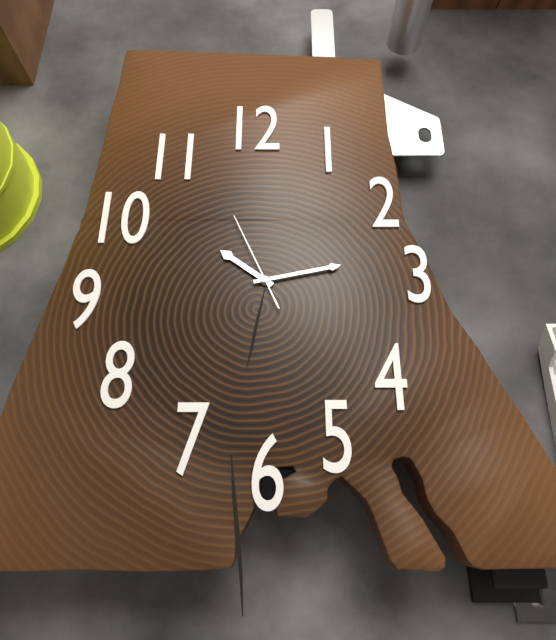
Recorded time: 10:13:56
